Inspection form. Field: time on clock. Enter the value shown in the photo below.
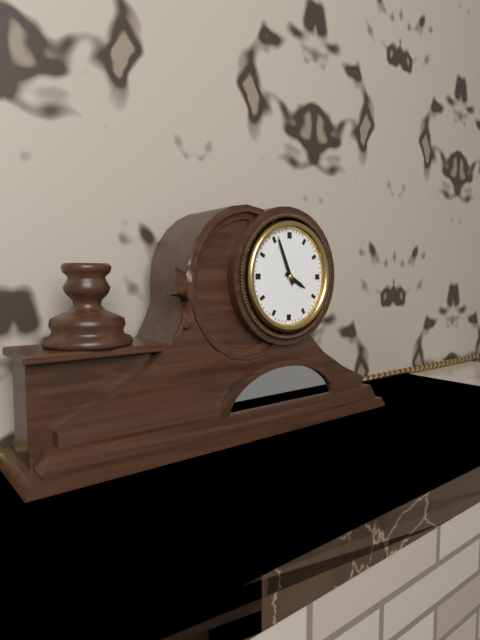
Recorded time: 3:56
